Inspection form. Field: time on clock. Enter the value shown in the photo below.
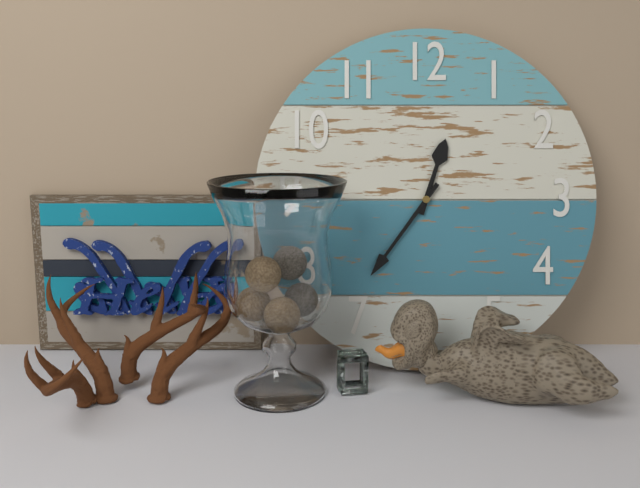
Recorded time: 12:36
